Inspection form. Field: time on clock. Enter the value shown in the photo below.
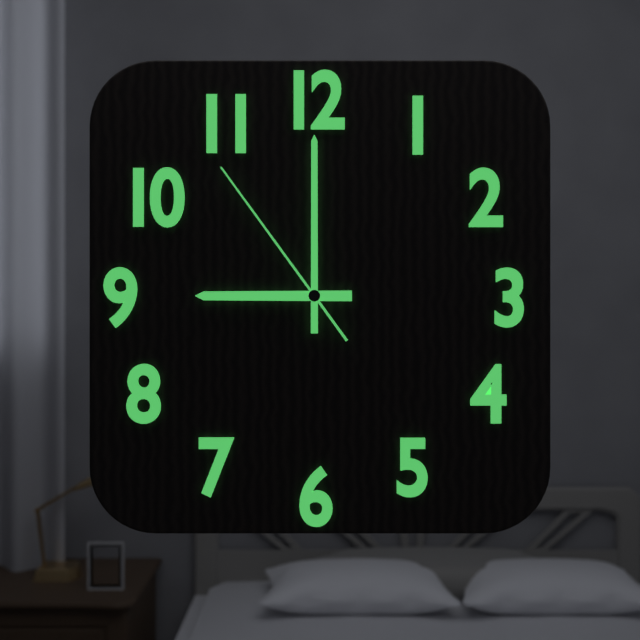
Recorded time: 9:00:54
